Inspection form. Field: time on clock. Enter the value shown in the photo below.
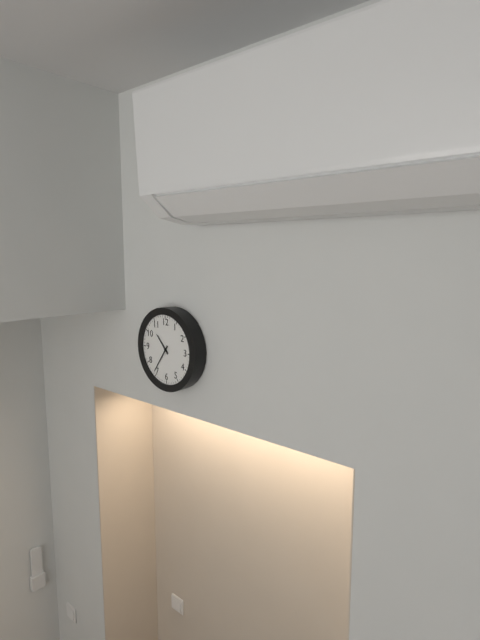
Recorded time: 10:36
